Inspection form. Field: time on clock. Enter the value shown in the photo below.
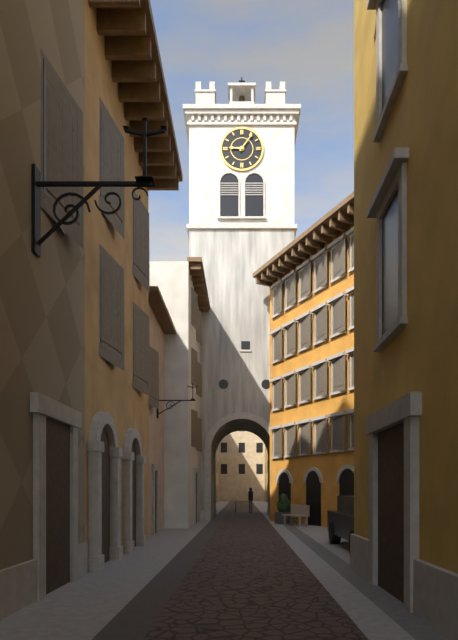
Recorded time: 9:06
